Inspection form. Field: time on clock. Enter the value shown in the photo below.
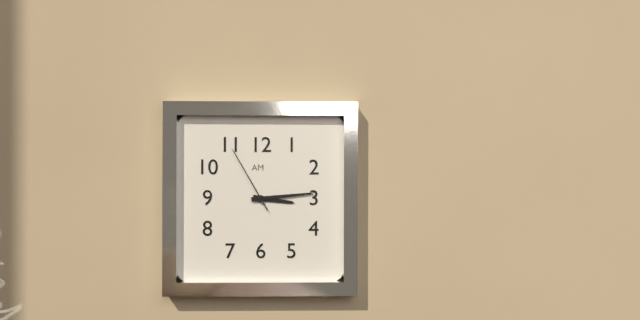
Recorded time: 3:14:55
